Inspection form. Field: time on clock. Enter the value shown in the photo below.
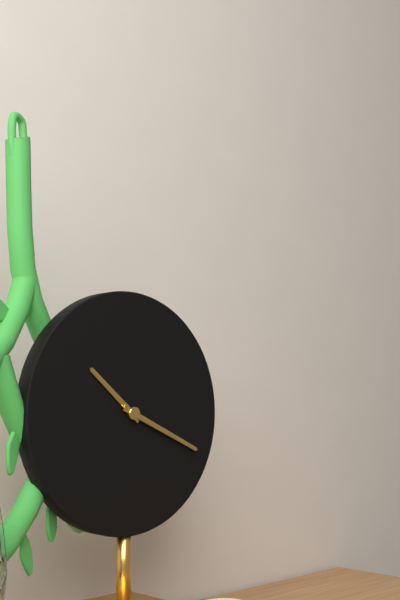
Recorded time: 10:19
